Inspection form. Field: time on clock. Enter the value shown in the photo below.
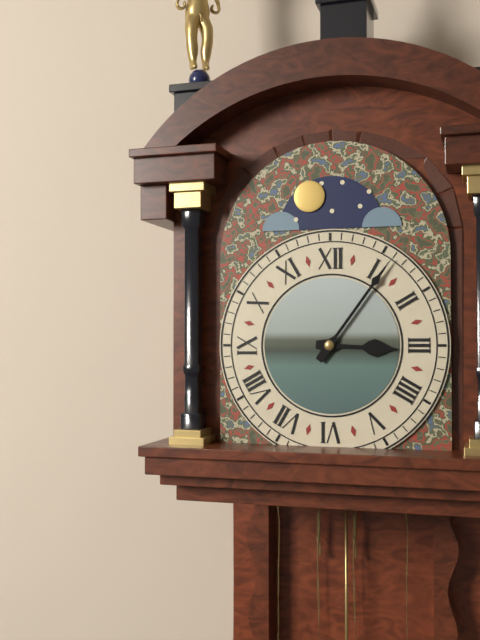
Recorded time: 3:06
